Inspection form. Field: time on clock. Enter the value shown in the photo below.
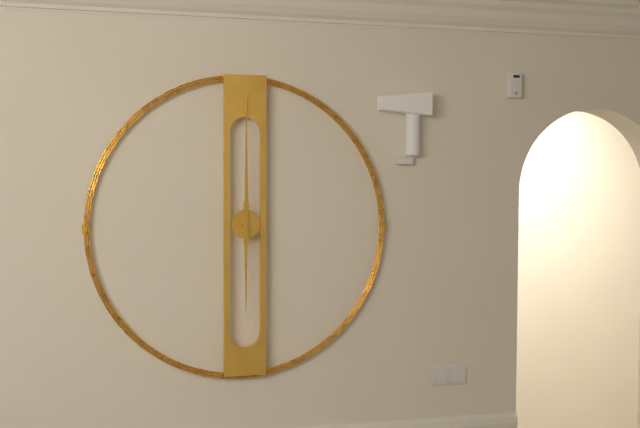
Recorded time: 6:00
